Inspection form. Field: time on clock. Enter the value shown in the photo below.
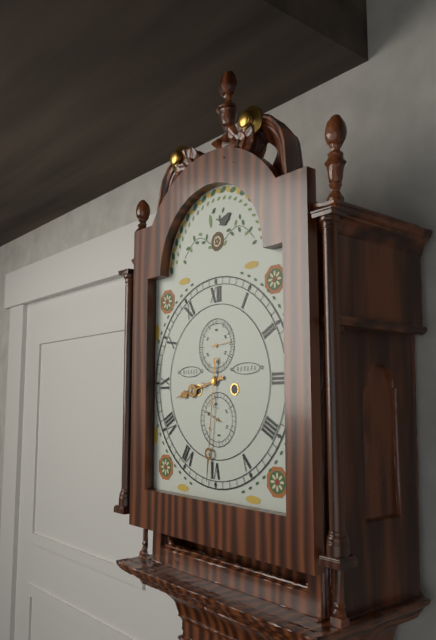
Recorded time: 8:31
